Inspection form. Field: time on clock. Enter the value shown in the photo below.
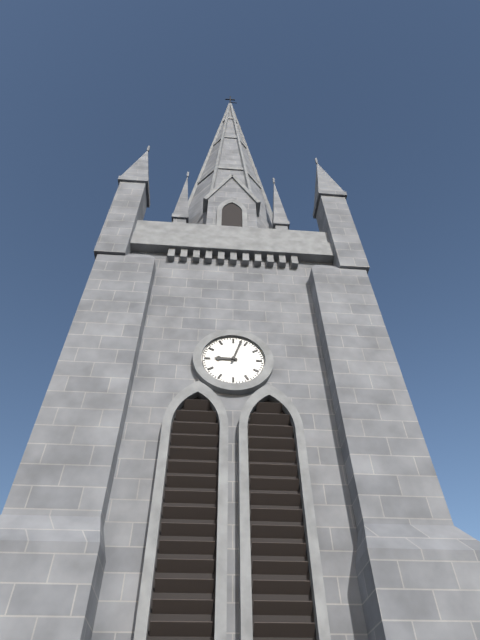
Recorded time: 9:03
